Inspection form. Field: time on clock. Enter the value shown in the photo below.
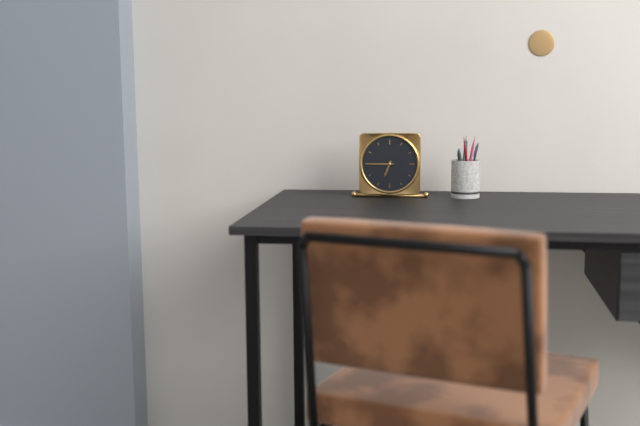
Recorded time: 6:45
